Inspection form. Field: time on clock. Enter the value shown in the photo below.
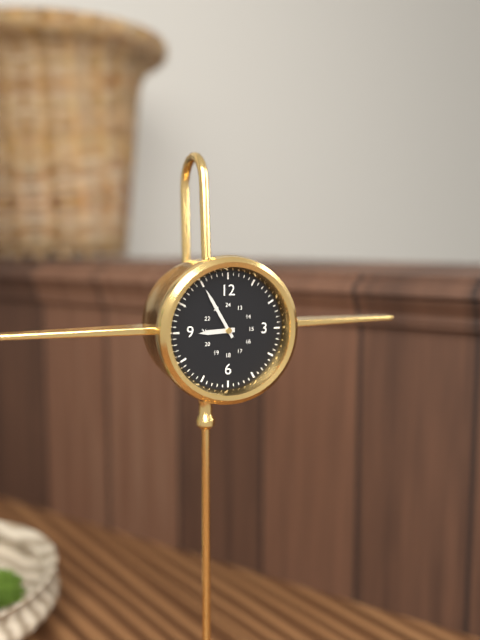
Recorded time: 8:55
